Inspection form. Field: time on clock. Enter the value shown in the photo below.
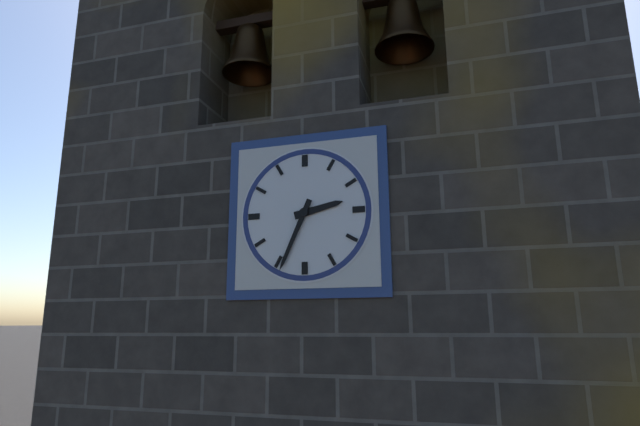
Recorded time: 2:34
